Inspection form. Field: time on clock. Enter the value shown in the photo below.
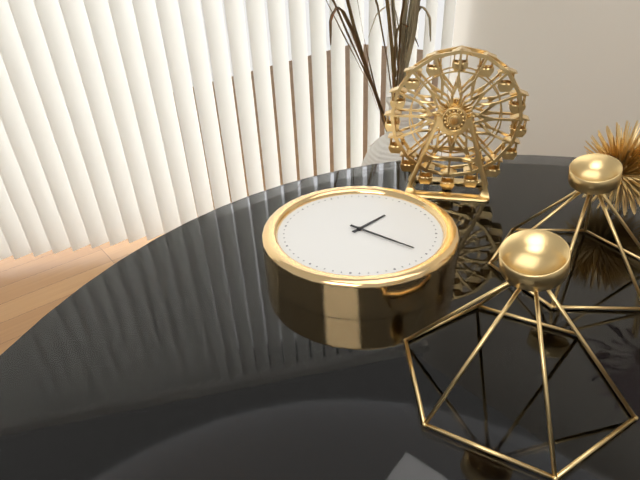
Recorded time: 12:15
